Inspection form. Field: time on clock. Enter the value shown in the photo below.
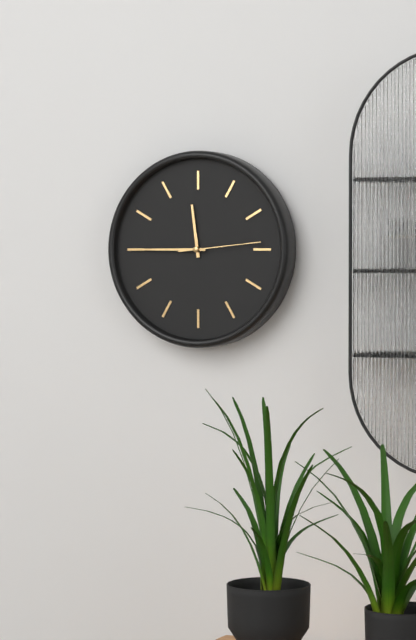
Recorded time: 11:45:14
